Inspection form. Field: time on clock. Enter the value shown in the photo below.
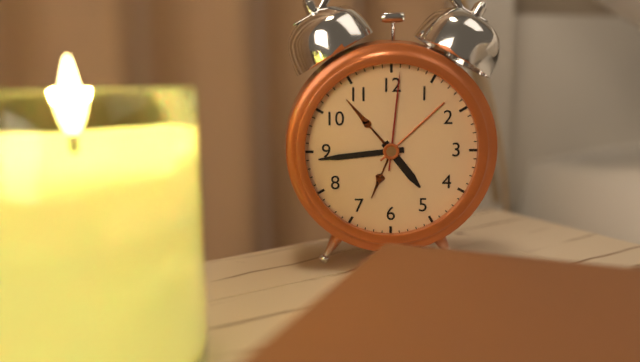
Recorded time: 4:44:01
